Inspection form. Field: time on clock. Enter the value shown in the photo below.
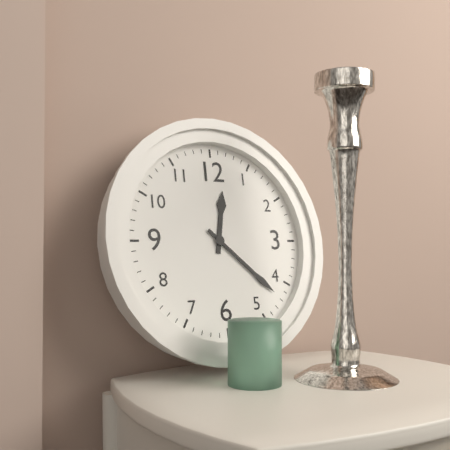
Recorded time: 12:22
